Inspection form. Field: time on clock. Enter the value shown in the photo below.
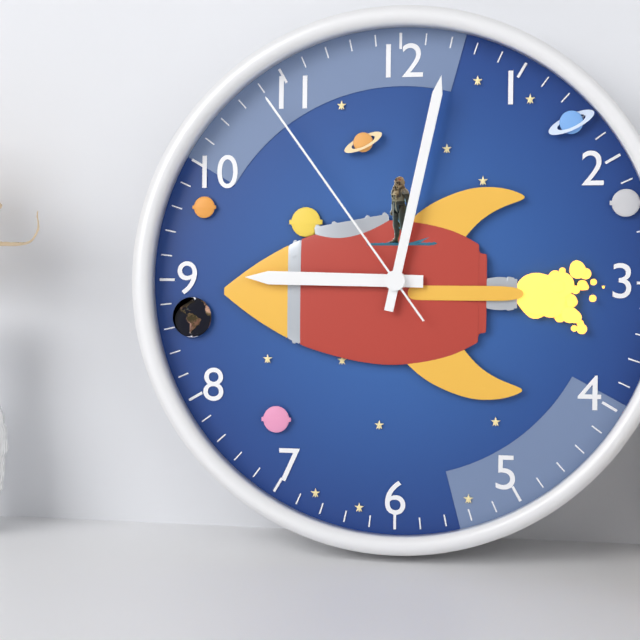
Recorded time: 9:02:54
